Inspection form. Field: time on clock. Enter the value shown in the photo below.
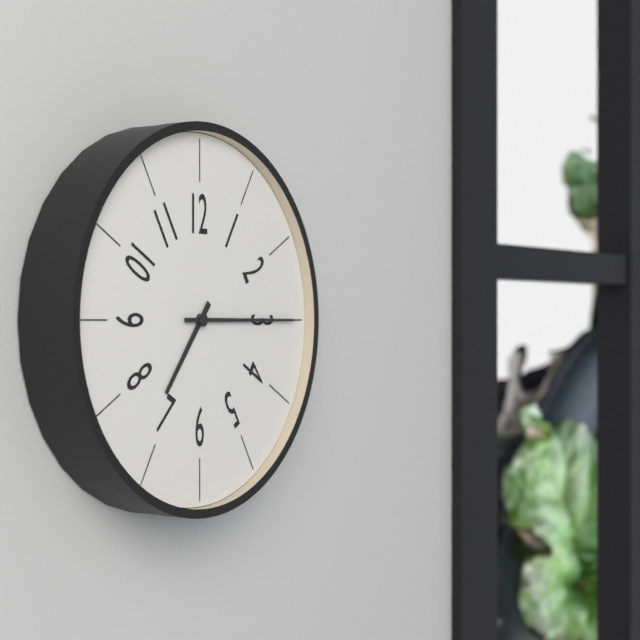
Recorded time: 7:15
